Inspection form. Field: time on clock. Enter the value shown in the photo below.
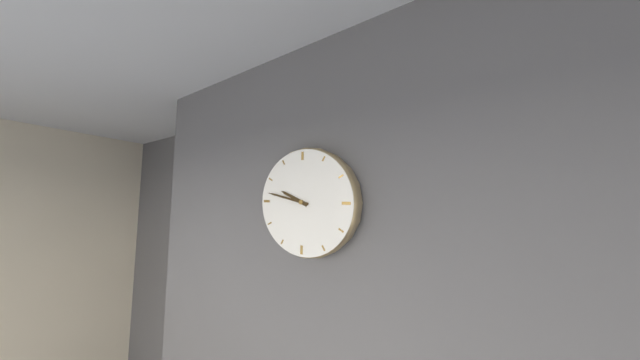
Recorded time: 9:47
